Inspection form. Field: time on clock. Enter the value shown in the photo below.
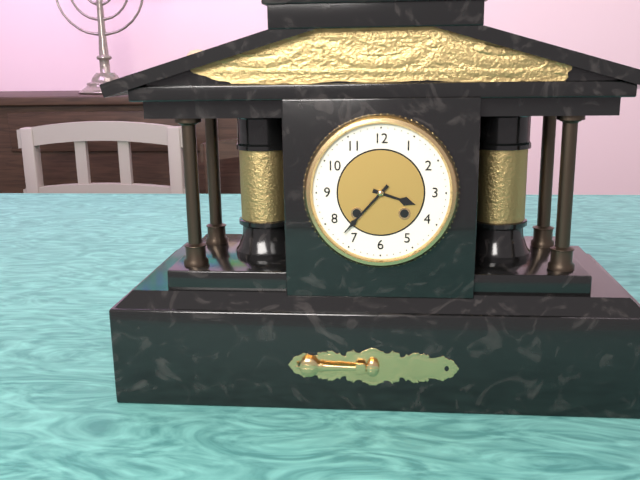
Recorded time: 3:37
